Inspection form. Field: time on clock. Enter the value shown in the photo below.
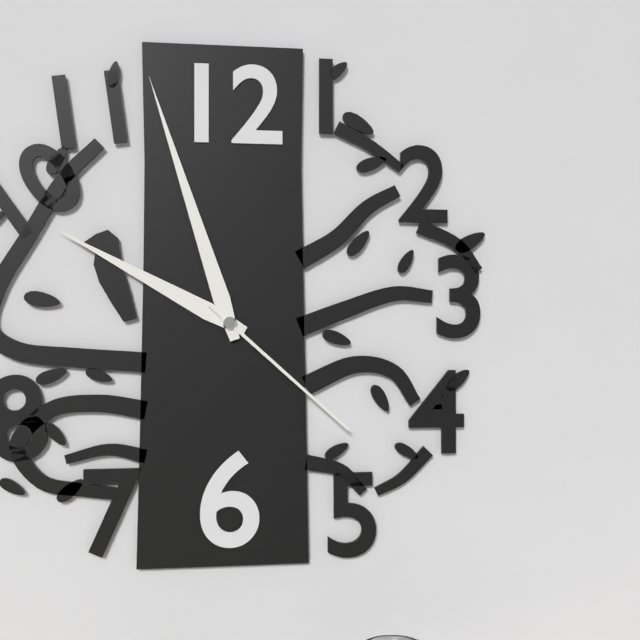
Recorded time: 9:57:22
